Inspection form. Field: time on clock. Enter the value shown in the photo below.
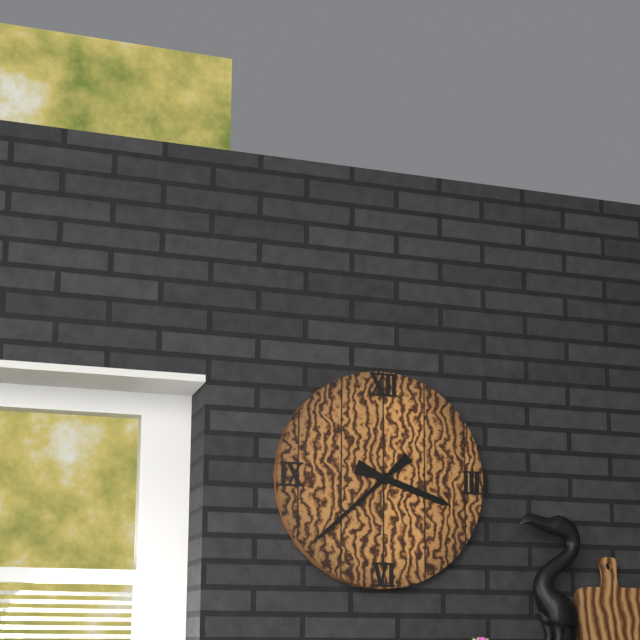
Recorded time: 3:38
